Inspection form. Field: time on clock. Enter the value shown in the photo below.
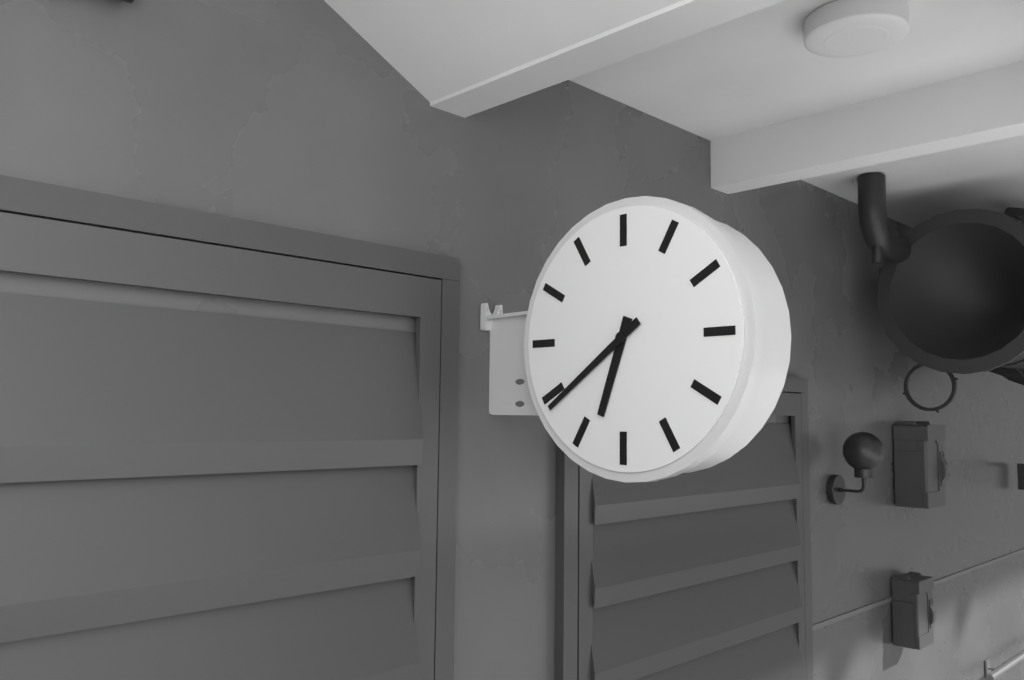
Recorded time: 6:39
